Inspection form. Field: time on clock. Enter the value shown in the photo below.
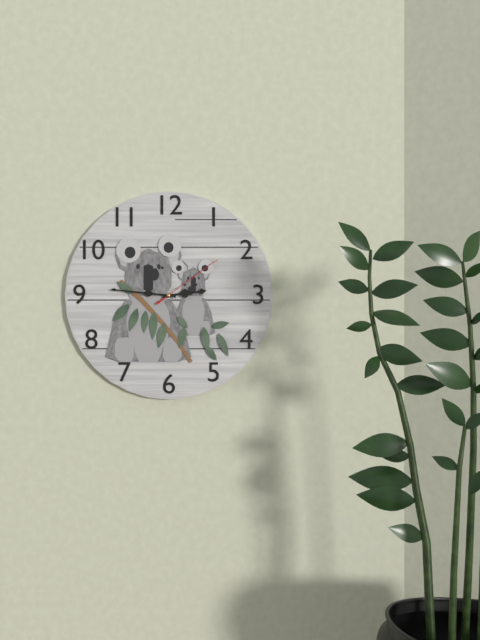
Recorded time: 2:46:09
